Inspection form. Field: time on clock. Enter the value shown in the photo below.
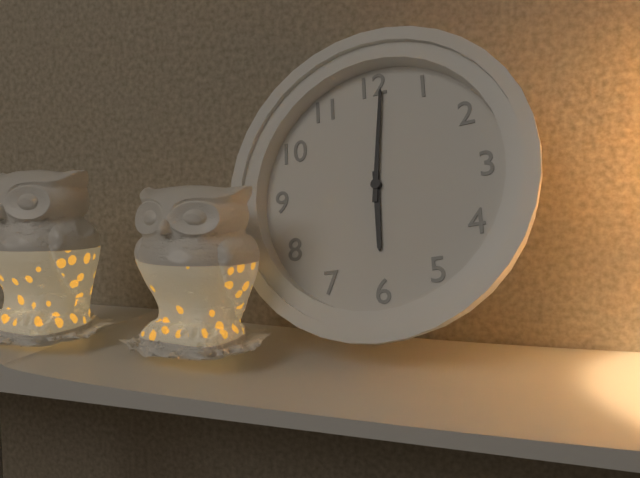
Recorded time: 6:01
